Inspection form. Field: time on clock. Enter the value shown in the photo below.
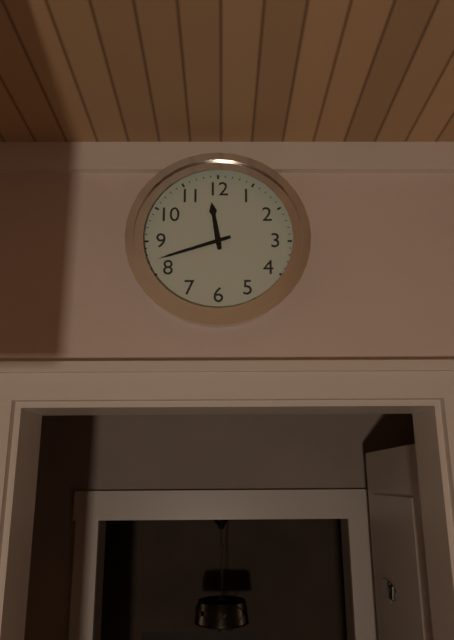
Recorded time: 11:42
